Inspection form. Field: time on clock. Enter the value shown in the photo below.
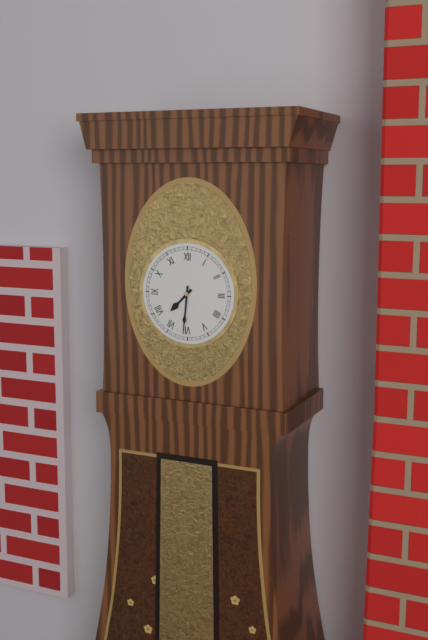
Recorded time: 7:31
